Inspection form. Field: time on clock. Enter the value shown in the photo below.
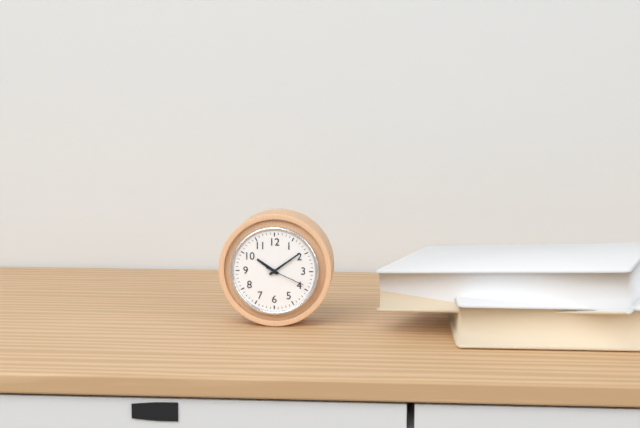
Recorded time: 10:09
